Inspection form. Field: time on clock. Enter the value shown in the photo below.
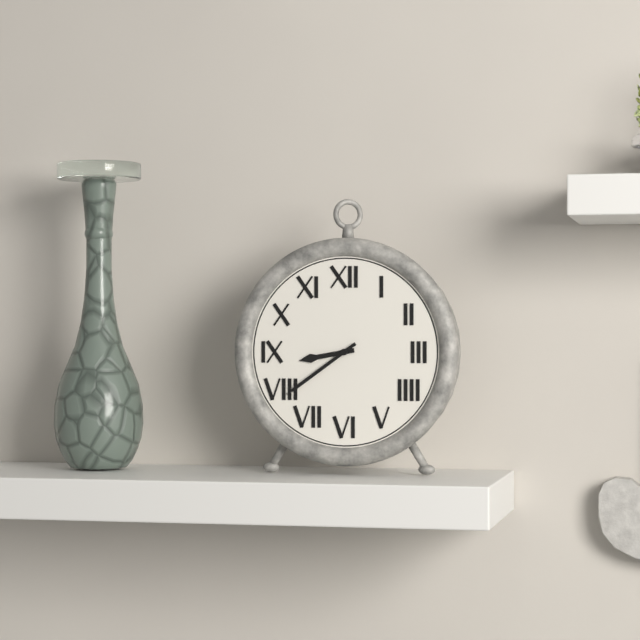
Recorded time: 8:39
